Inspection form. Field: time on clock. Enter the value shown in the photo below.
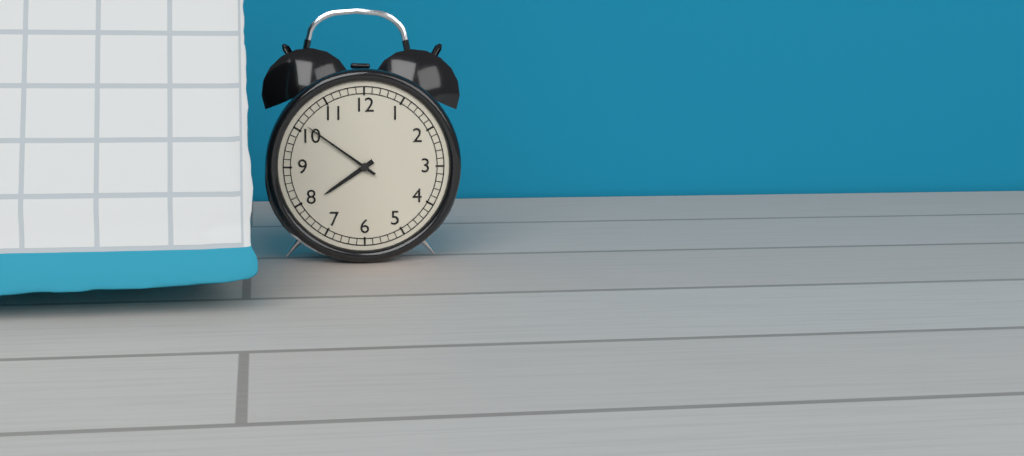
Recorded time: 7:51
